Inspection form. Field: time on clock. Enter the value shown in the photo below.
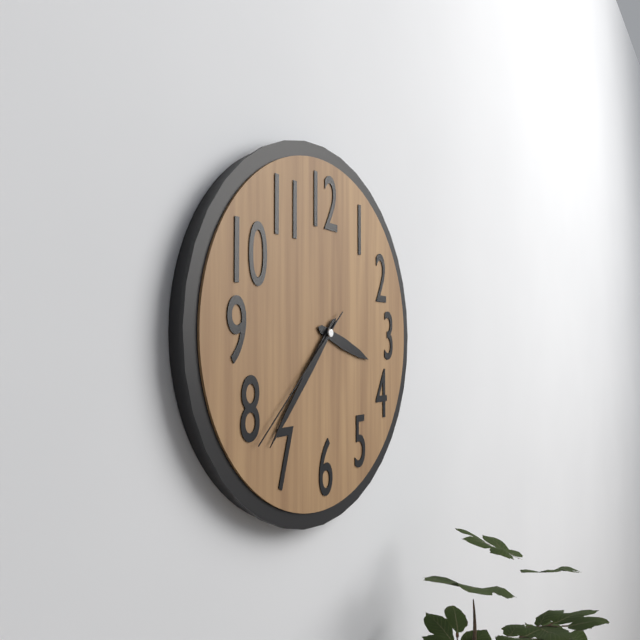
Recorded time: 3:37:38
